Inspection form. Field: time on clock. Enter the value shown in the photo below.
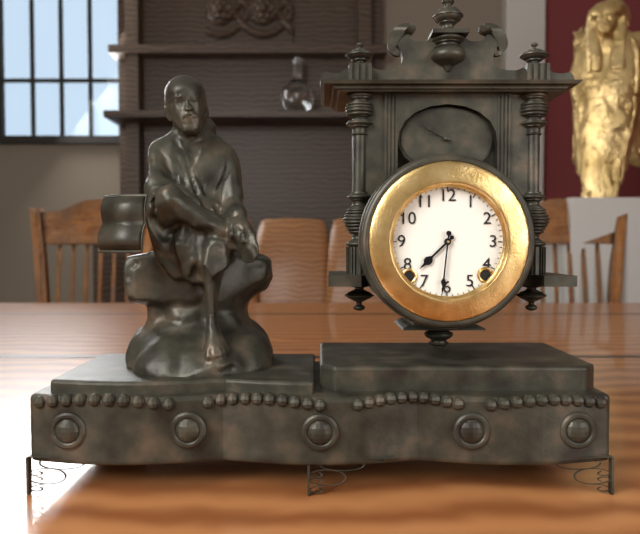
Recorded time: 7:31
